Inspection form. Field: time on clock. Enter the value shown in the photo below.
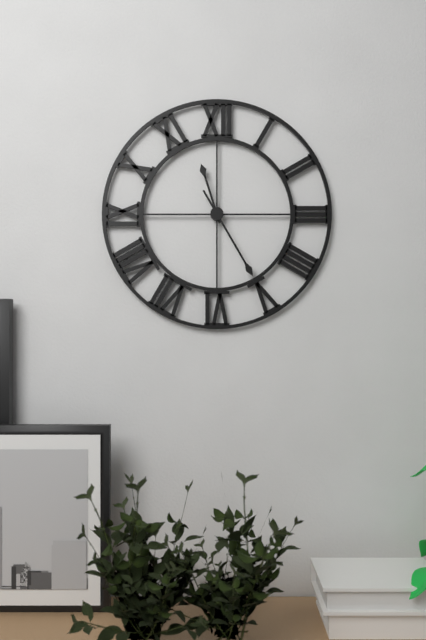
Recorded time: 11:25
